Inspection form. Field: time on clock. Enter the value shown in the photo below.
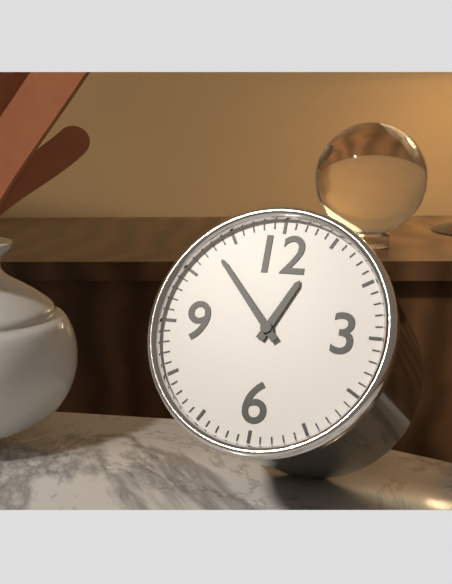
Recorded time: 12:53
